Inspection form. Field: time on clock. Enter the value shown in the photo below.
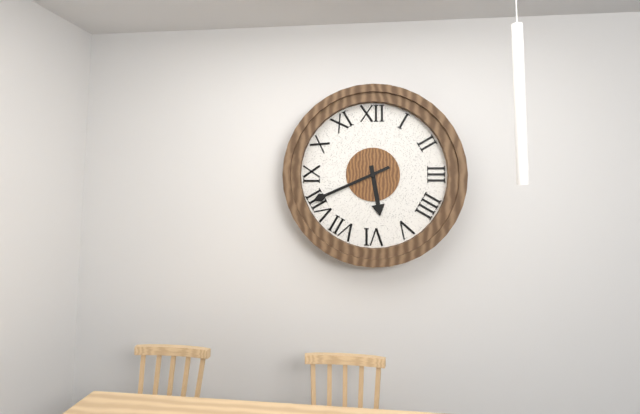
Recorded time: 5:41
